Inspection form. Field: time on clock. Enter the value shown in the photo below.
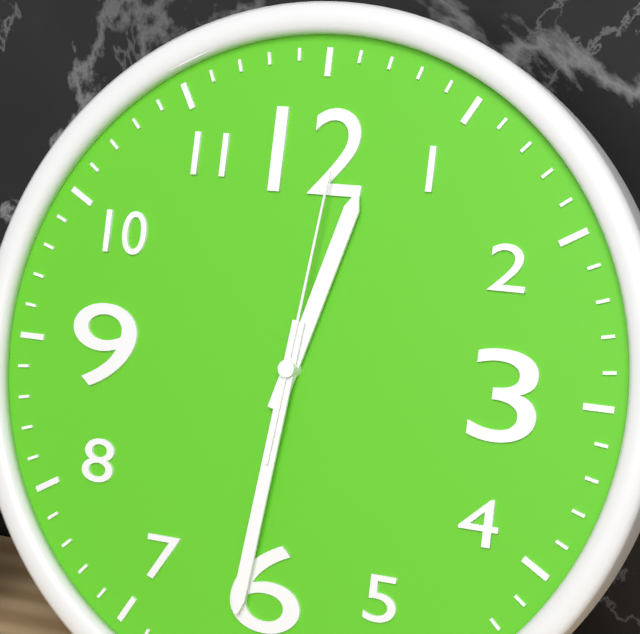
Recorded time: 12:31:01
